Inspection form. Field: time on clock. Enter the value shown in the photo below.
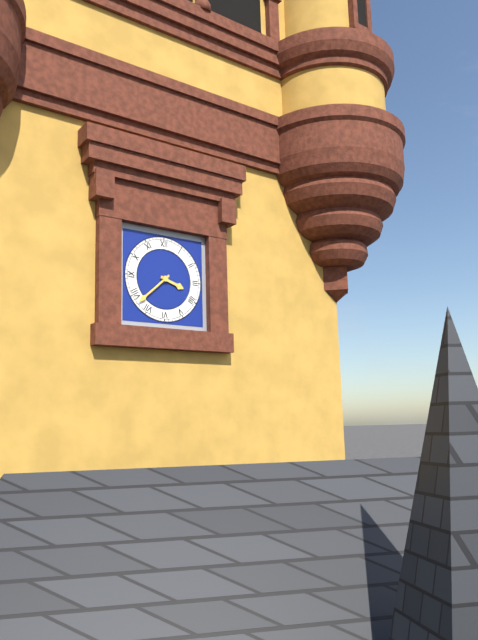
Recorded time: 3:38
